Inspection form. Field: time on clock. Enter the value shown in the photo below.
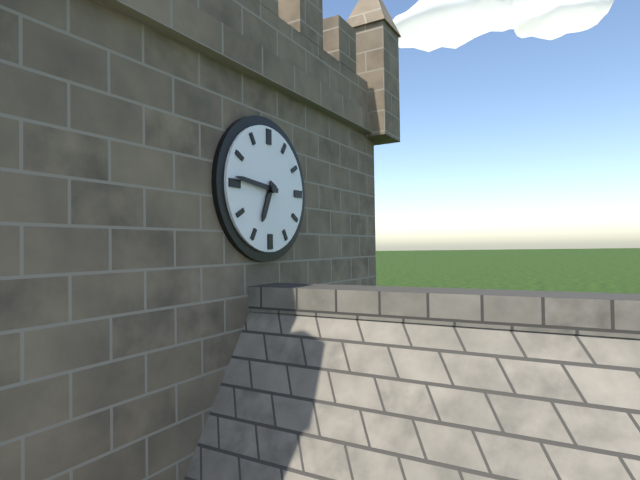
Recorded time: 6:46
